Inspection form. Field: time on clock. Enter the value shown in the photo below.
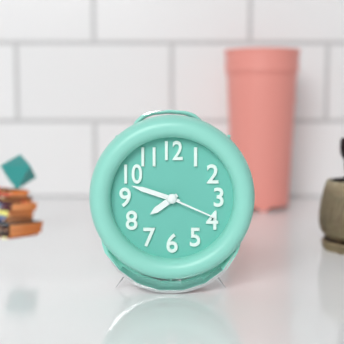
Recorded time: 7:48:19
